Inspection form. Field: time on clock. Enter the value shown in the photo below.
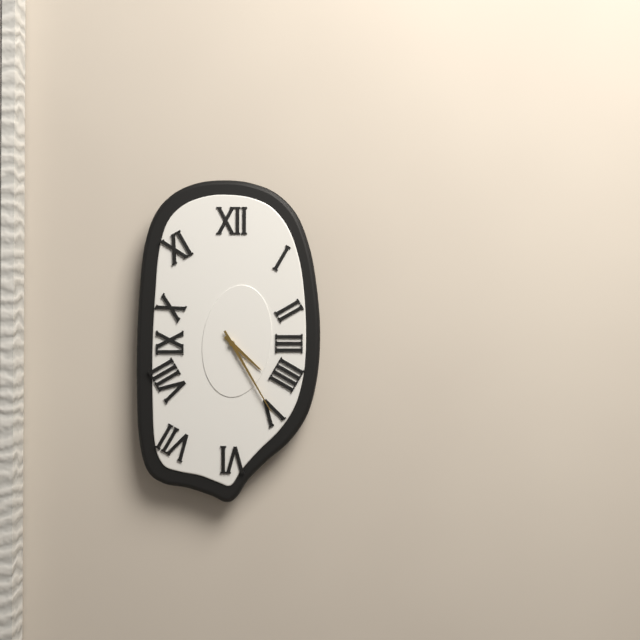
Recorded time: 4:25
